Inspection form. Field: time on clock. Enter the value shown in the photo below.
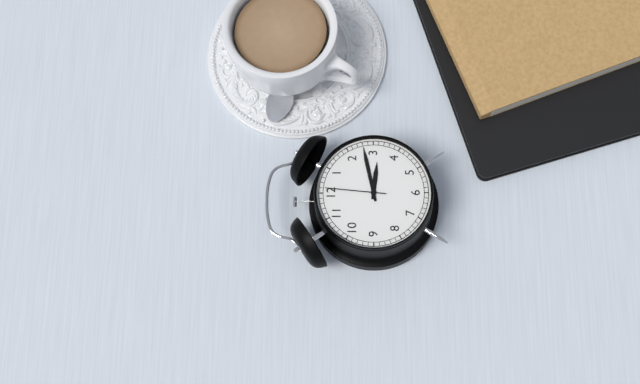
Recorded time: 3:13:01
